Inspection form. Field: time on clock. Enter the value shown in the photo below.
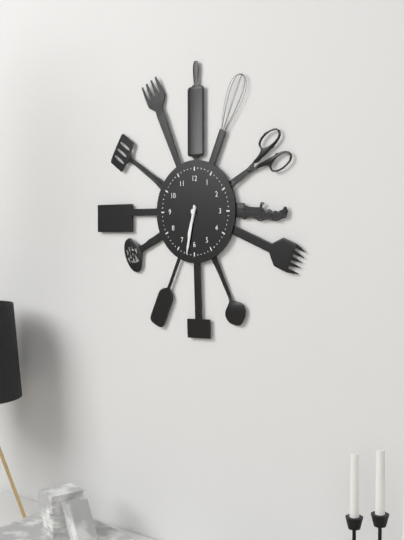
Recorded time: 6:32
